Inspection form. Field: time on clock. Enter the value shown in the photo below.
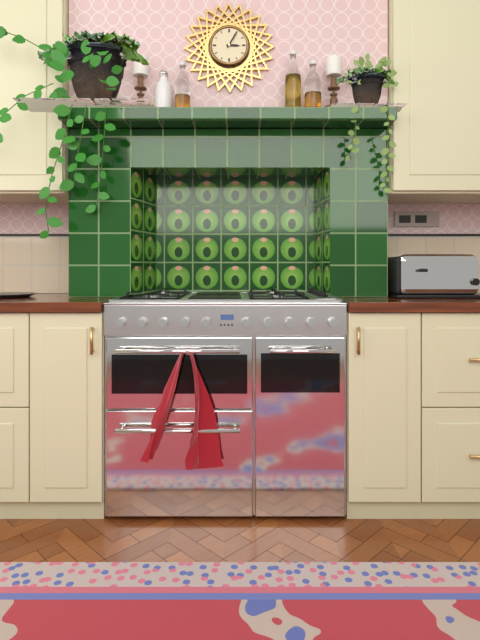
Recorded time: 3:05
